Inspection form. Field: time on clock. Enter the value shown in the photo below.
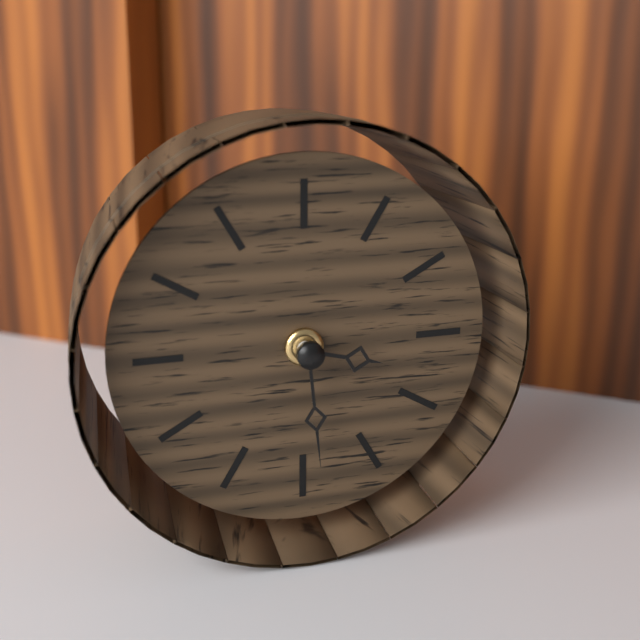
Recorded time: 3:29
